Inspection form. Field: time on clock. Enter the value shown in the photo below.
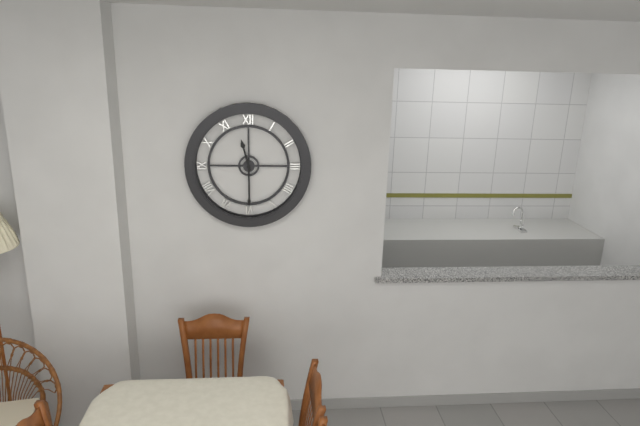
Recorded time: 11:30
